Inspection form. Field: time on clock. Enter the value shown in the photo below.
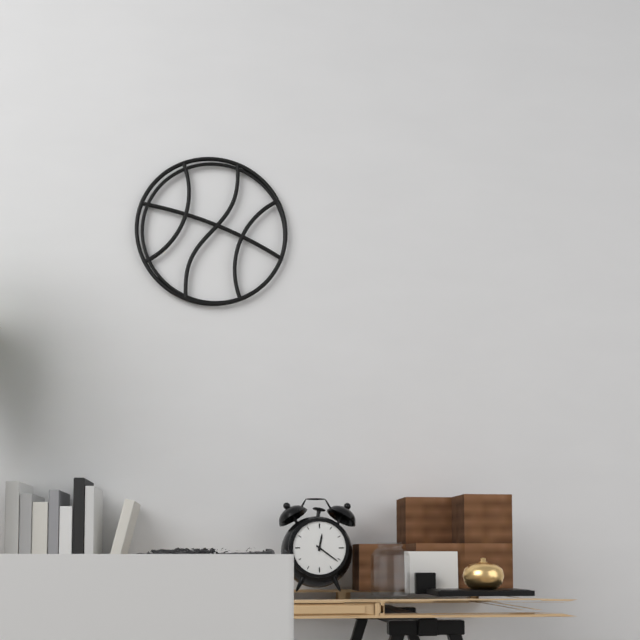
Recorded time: 12:21
